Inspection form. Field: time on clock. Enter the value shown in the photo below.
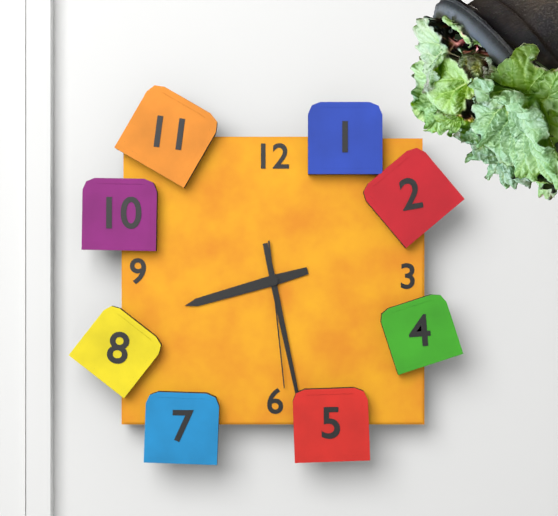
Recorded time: 8:28:29
